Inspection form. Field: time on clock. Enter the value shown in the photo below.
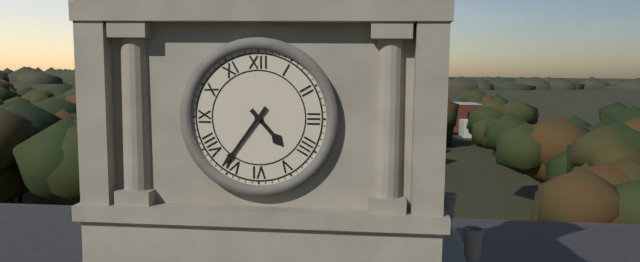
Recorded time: 4:36
